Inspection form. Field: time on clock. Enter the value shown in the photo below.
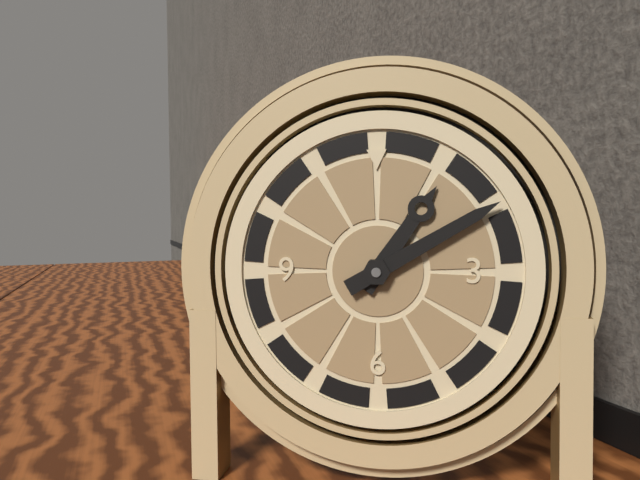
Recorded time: 1:10
